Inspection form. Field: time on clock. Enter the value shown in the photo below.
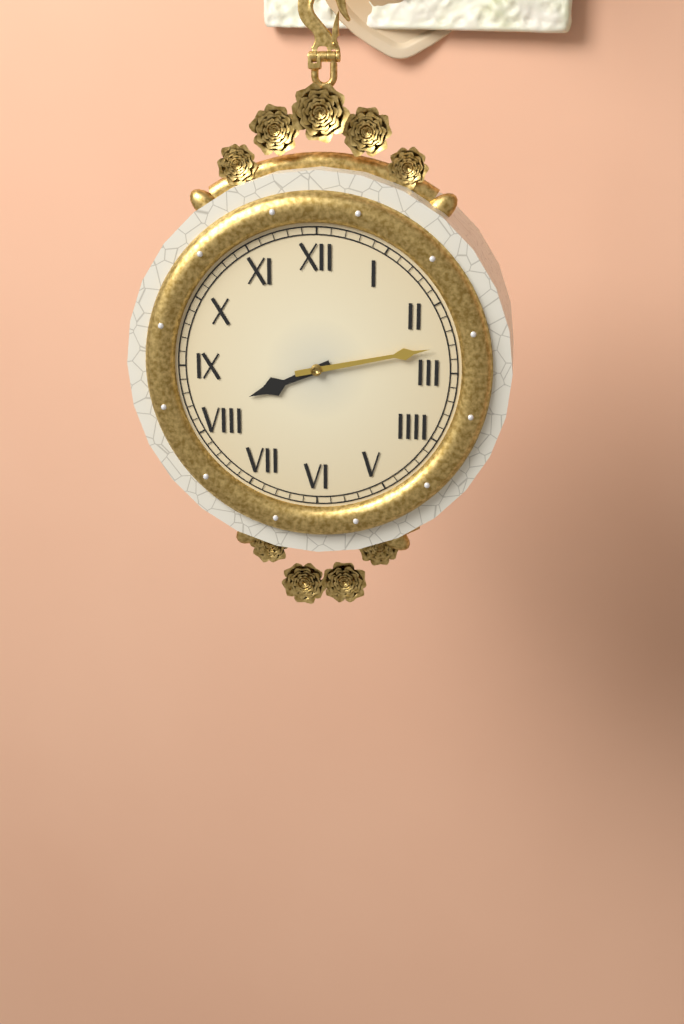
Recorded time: 8:13
